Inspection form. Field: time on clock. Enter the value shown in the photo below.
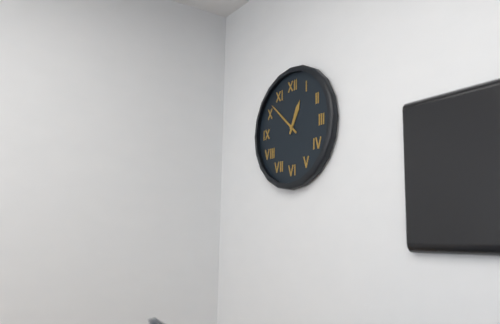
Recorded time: 12:52
